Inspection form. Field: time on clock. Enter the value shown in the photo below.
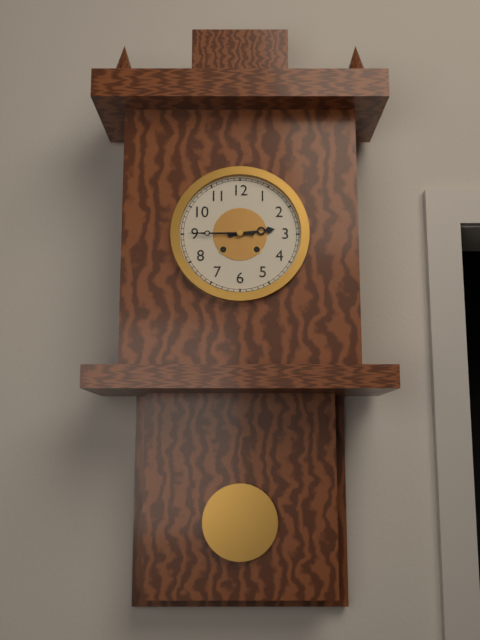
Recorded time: 2:45
